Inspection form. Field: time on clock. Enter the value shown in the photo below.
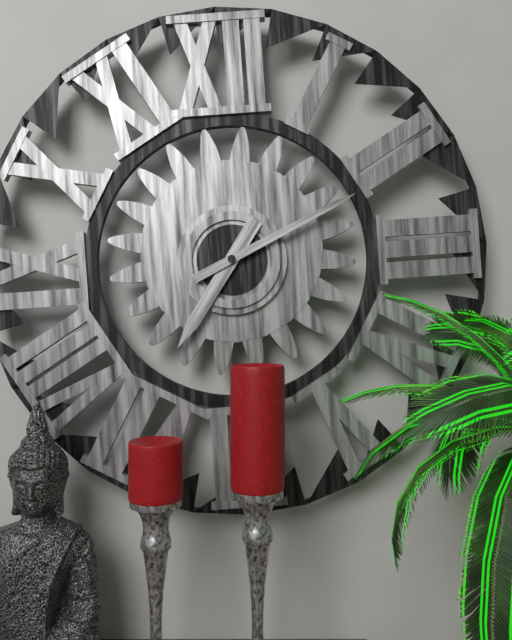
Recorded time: 7:11
